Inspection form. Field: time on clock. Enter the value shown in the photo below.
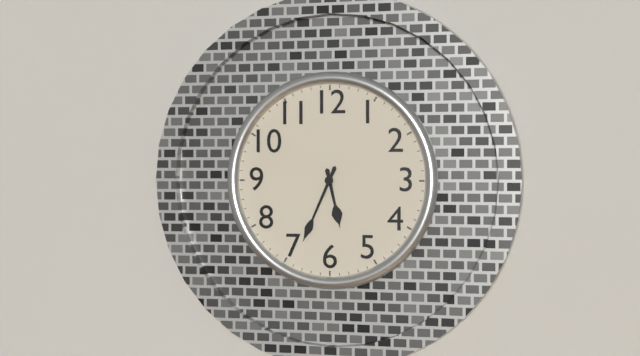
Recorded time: 5:34
